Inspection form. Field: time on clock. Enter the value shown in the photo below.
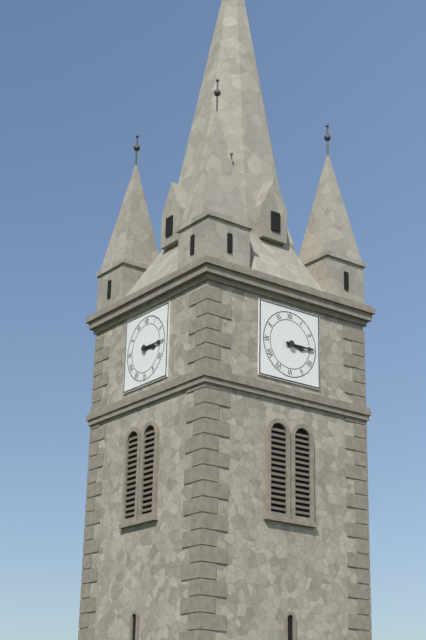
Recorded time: 3:15
